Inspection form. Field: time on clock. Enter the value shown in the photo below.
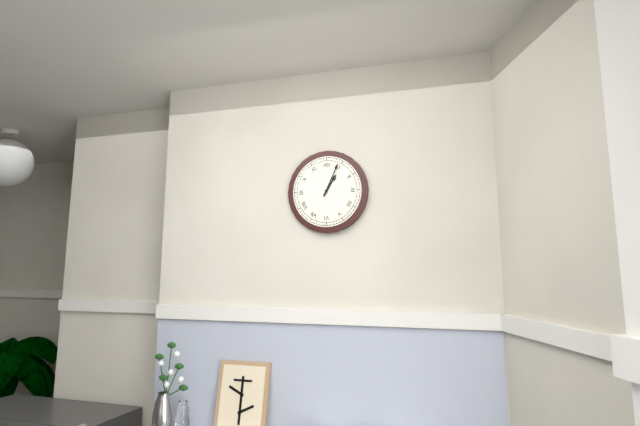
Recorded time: 1:04
